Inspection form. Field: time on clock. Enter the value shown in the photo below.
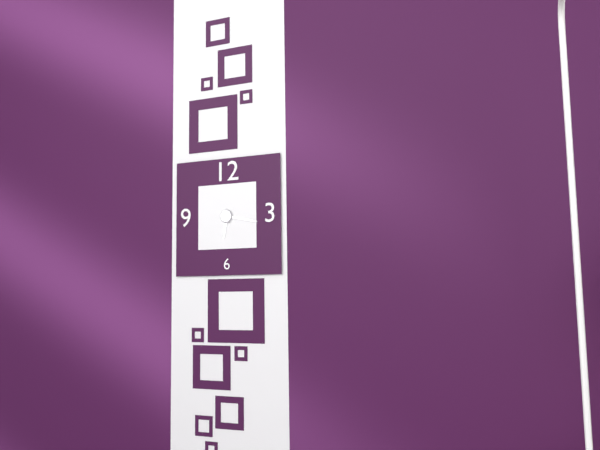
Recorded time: 6:17
